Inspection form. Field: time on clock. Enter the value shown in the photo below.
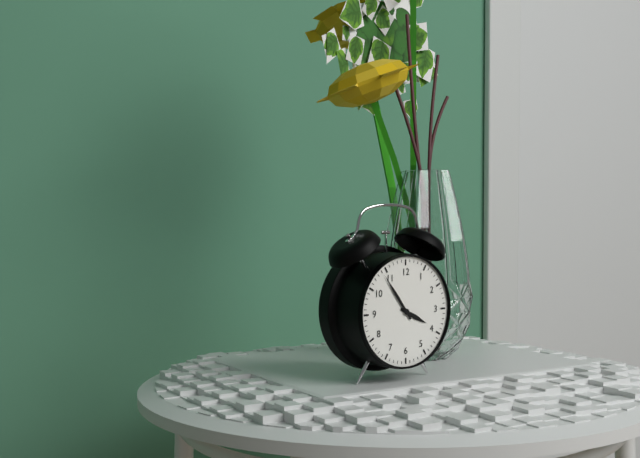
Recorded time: 3:54
